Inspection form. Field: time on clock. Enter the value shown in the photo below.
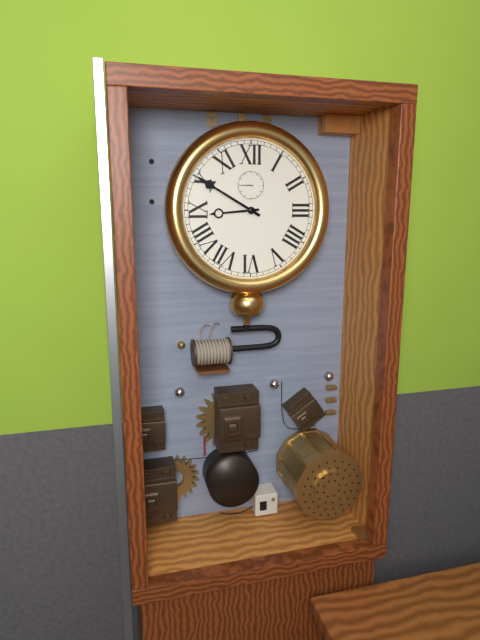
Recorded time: 8:50
